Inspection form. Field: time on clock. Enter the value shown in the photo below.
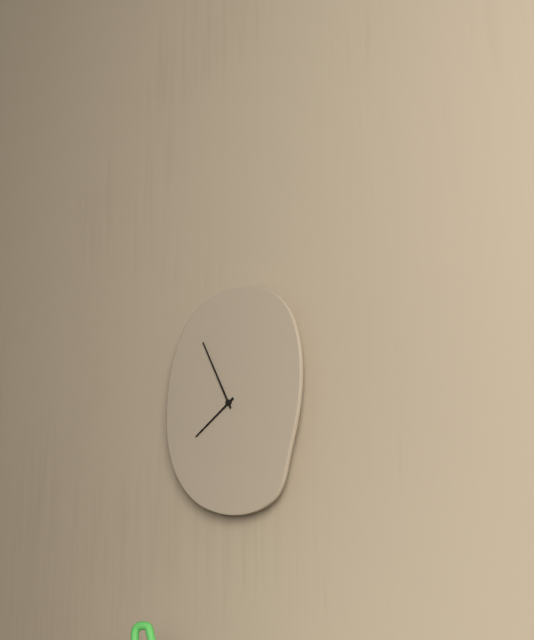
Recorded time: 7:55
